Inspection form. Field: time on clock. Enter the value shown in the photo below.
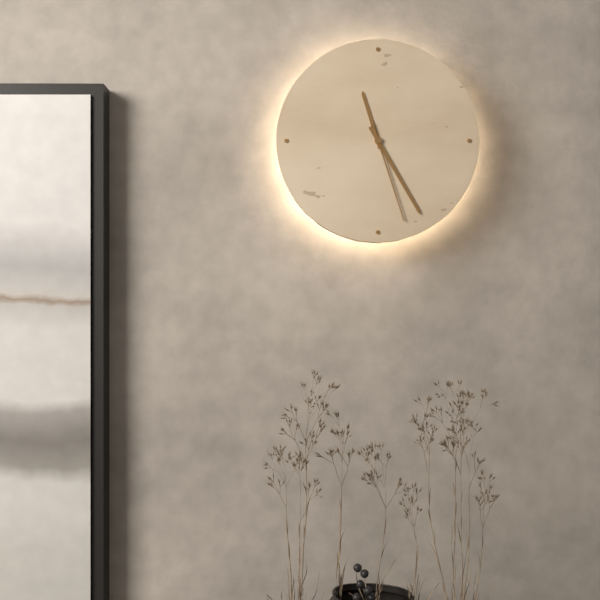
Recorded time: 11:25:27
